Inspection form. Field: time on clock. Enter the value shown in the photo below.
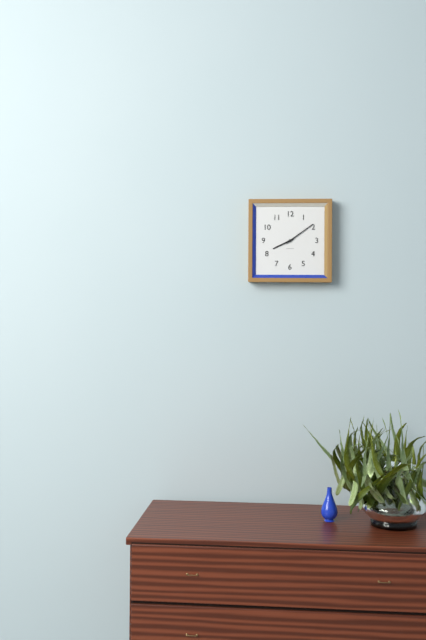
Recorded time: 8:09
